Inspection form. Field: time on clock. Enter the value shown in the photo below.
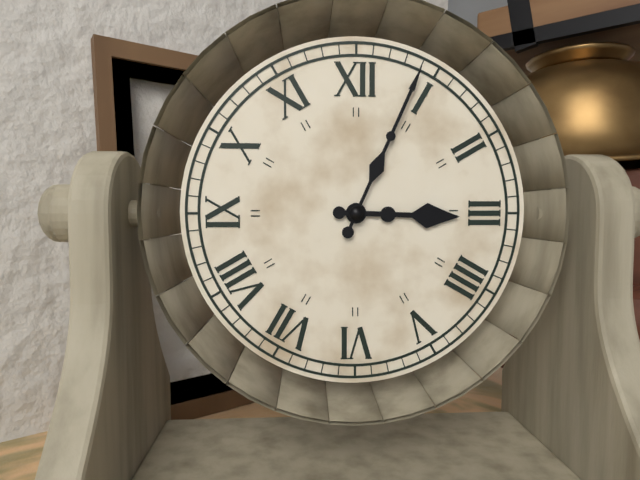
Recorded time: 3:04
